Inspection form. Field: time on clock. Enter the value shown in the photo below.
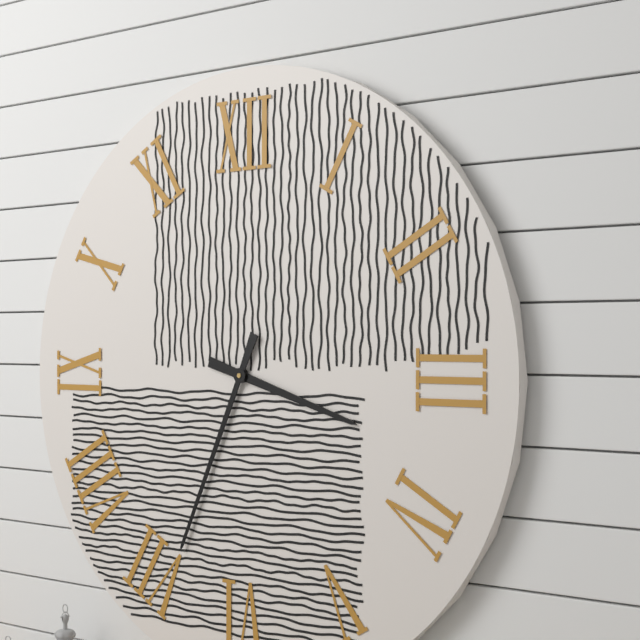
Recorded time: 3:34
